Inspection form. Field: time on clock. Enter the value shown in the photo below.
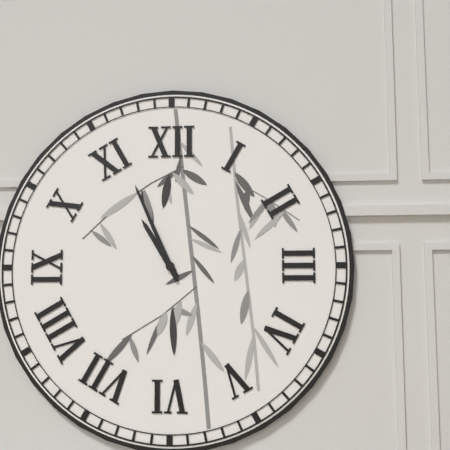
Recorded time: 10:56
